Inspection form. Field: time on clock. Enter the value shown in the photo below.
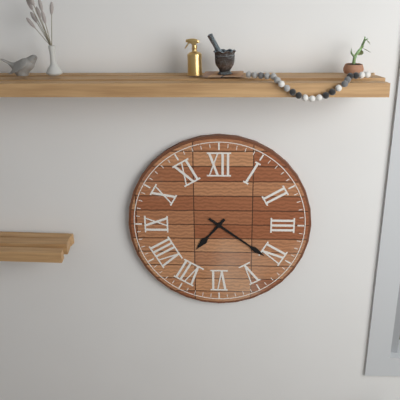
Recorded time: 7:21
